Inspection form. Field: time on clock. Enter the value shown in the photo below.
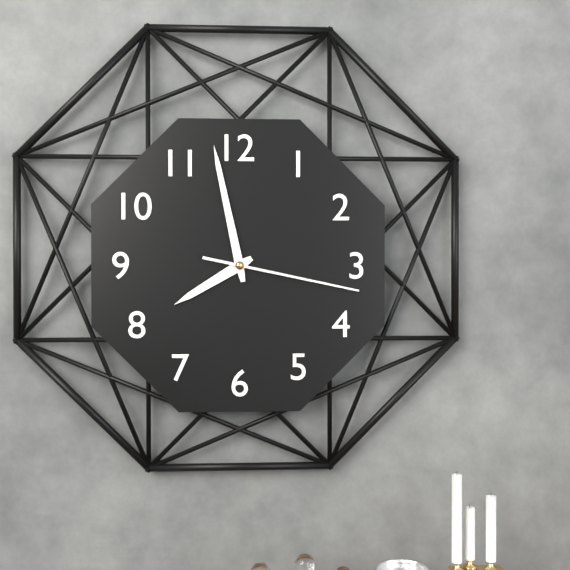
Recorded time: 7:58:17
